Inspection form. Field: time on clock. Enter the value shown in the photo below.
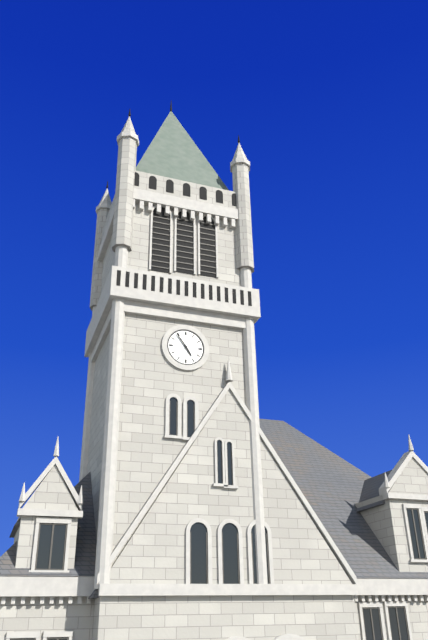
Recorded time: 4:54
